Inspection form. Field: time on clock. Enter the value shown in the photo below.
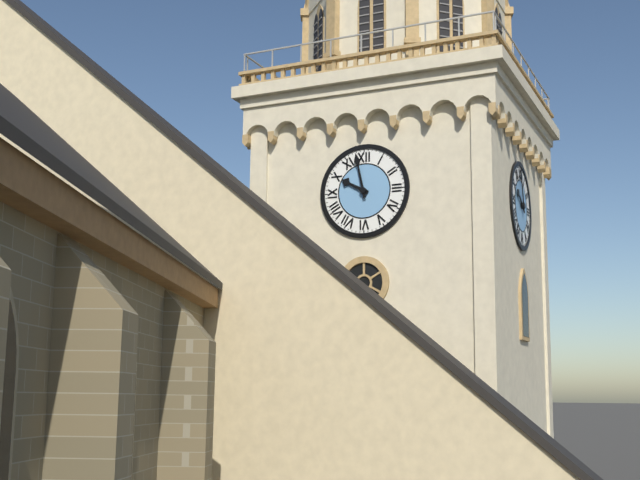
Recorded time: 9:58
